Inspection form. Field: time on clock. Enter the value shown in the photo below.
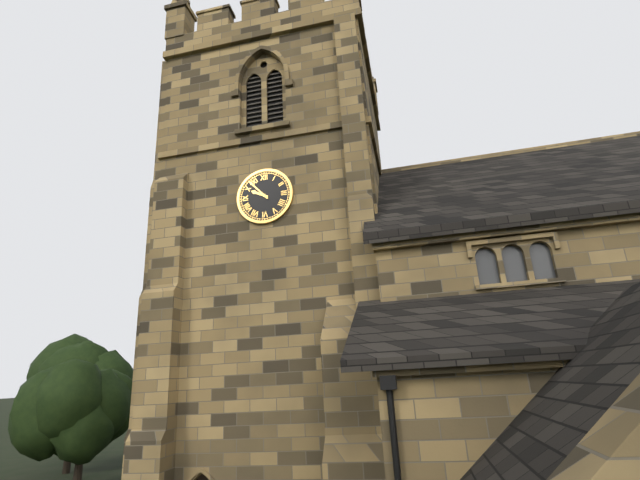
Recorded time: 9:53
